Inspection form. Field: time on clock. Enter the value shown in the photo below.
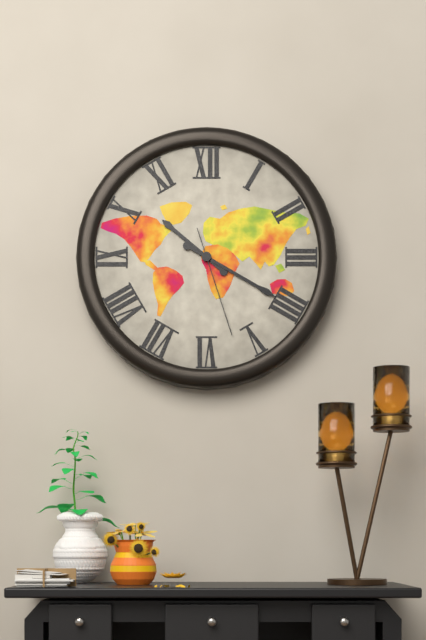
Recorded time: 10:20:27
